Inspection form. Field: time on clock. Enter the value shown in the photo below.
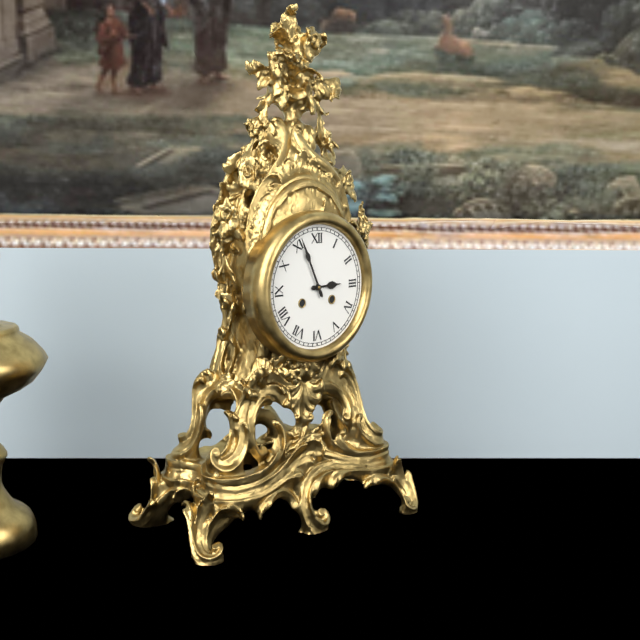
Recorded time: 2:56
